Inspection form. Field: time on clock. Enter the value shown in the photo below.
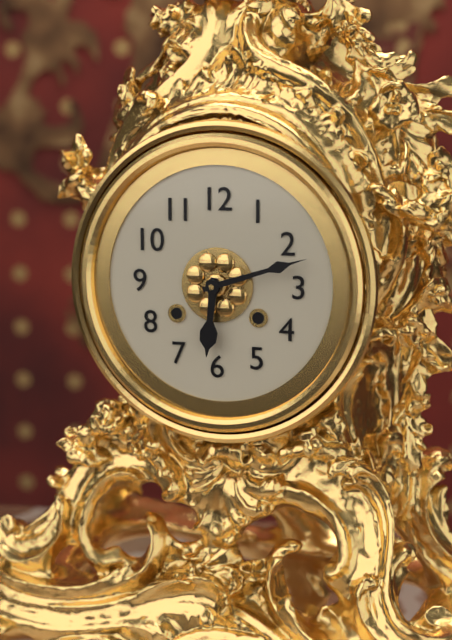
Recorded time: 6:12
